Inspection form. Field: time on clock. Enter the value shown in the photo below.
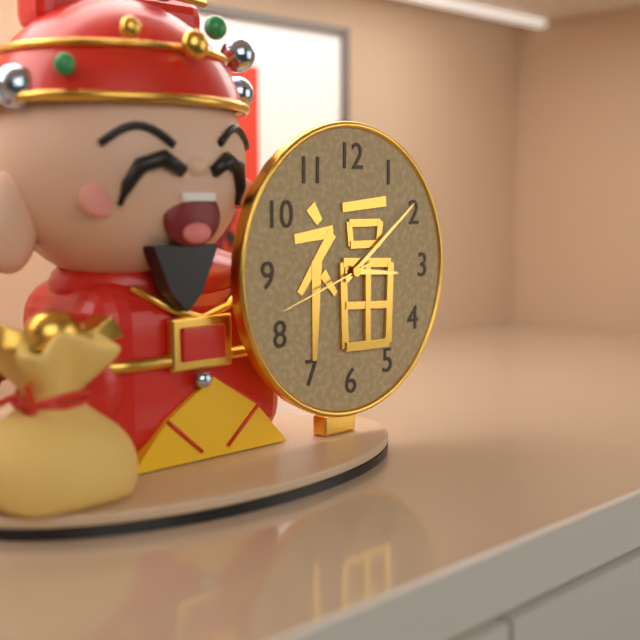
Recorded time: 3:09:42
